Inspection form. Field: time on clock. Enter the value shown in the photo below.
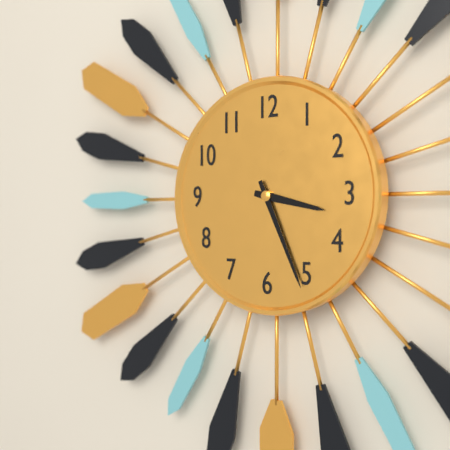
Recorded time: 3:26
